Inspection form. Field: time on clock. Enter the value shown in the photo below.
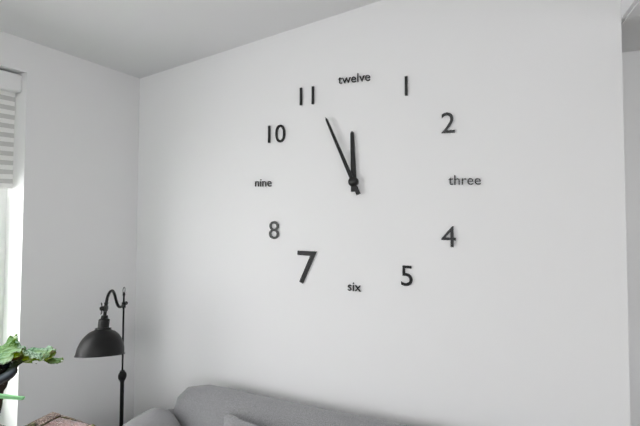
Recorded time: 11:56
